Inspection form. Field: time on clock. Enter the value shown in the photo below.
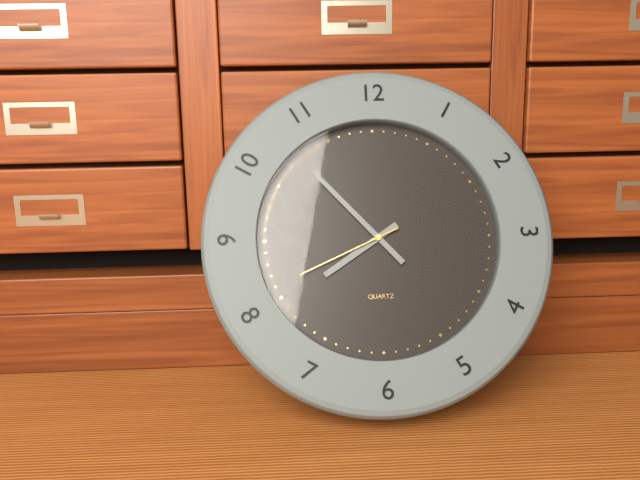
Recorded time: 7:53:41
